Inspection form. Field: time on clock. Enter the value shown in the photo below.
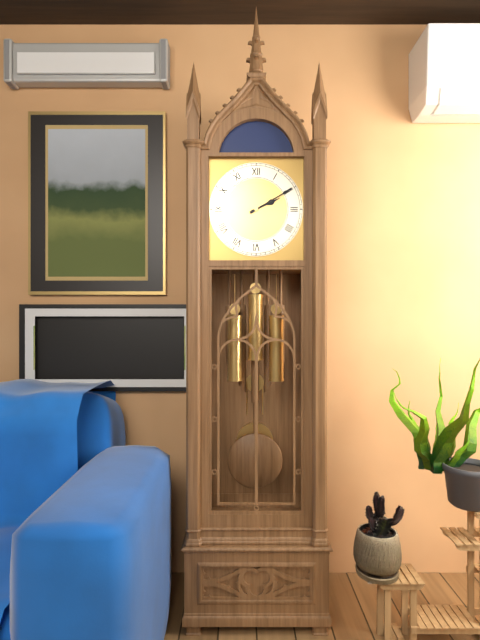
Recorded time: 2:10
